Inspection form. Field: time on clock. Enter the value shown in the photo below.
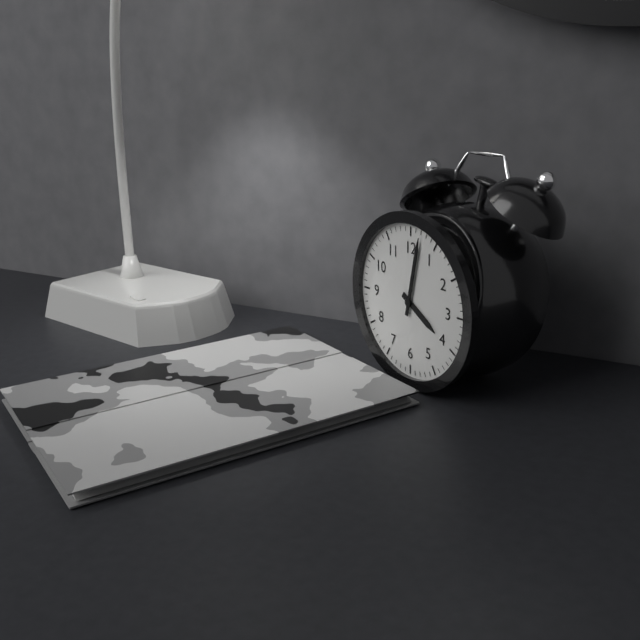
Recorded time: 4:02
